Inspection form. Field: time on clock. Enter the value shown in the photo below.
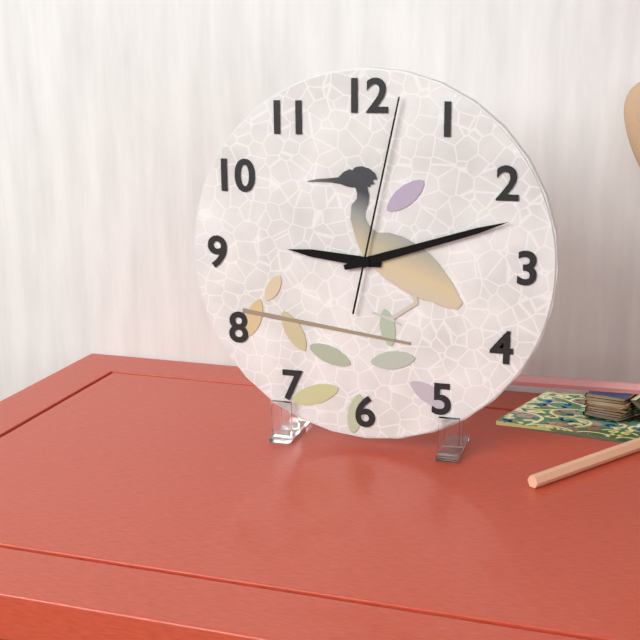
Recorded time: 9:12:02
